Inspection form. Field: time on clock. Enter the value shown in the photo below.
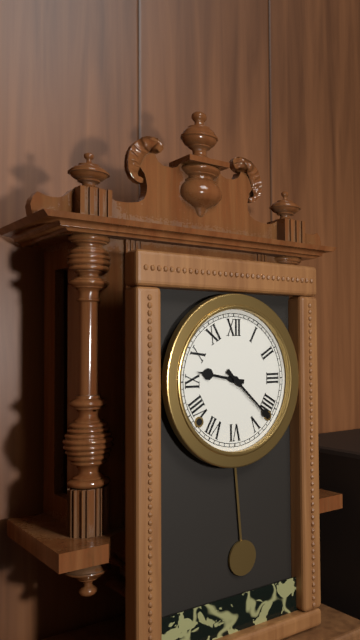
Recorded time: 9:22
